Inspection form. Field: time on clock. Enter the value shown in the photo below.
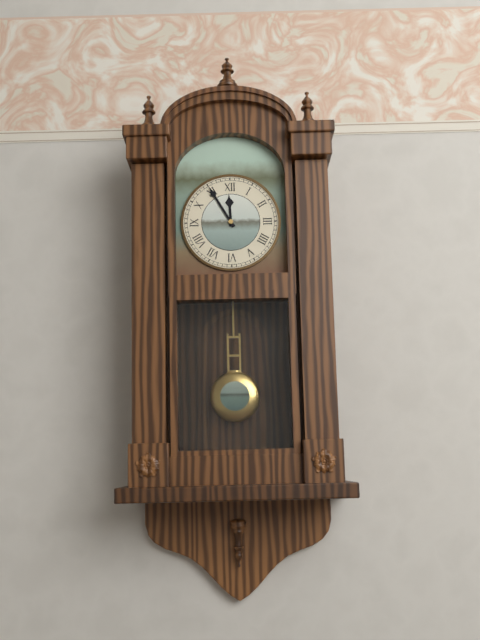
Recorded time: 11:55
